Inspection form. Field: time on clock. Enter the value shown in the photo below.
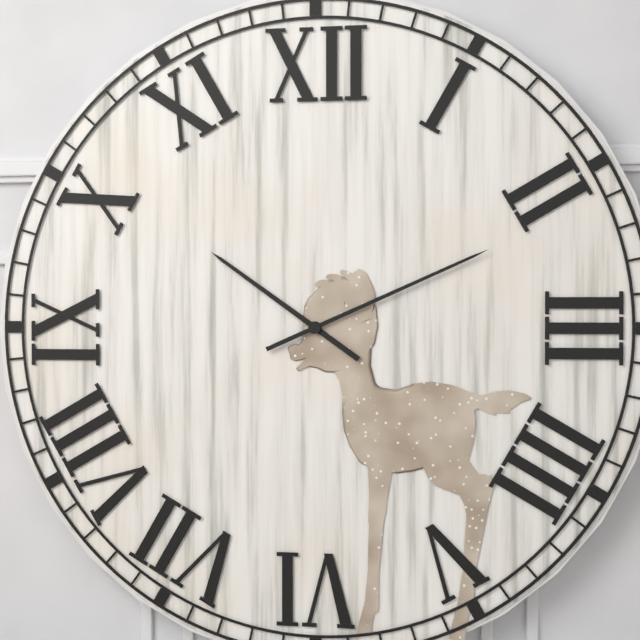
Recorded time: 10:11
